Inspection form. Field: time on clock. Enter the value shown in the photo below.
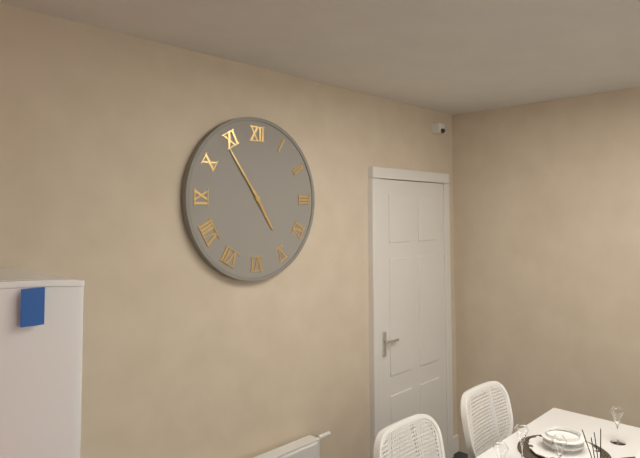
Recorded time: 4:54
